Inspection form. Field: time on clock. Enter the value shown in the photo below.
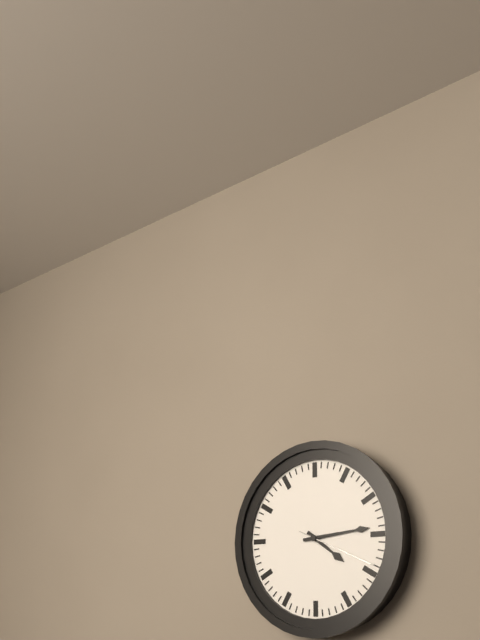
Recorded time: 4:14:19
